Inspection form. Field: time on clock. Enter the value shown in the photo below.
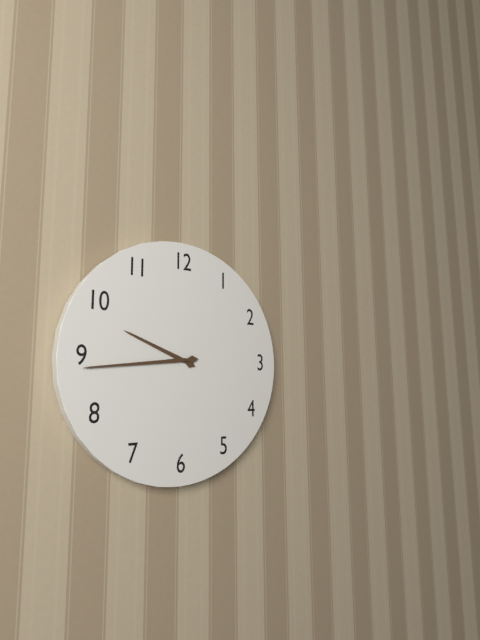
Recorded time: 9:44
